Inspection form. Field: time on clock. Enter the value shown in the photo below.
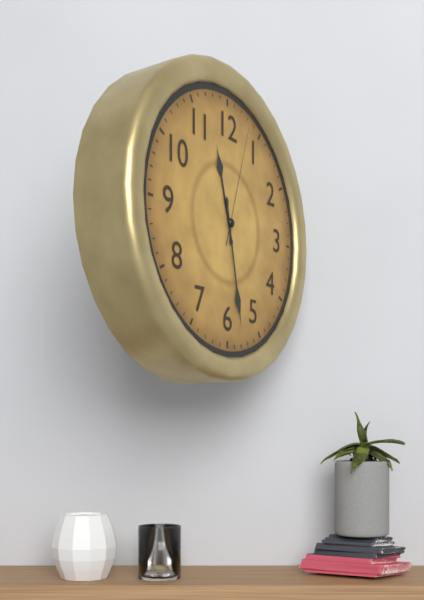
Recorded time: 11:28:03
